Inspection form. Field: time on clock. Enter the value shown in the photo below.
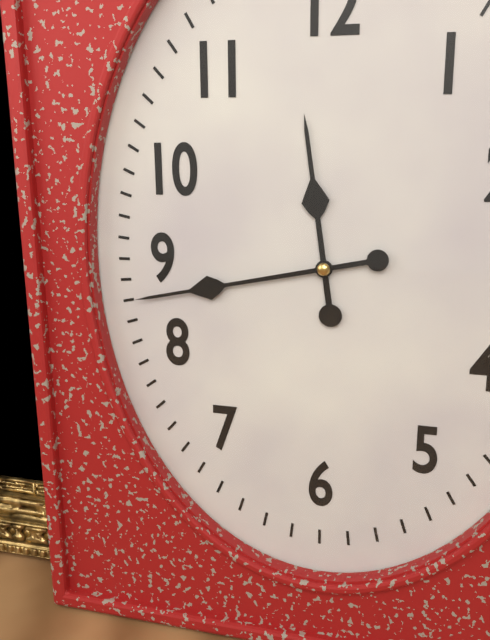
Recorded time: 11:43
